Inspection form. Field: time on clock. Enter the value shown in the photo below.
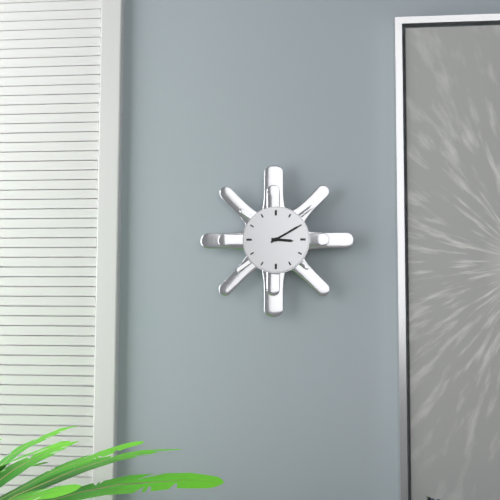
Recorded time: 3:10
